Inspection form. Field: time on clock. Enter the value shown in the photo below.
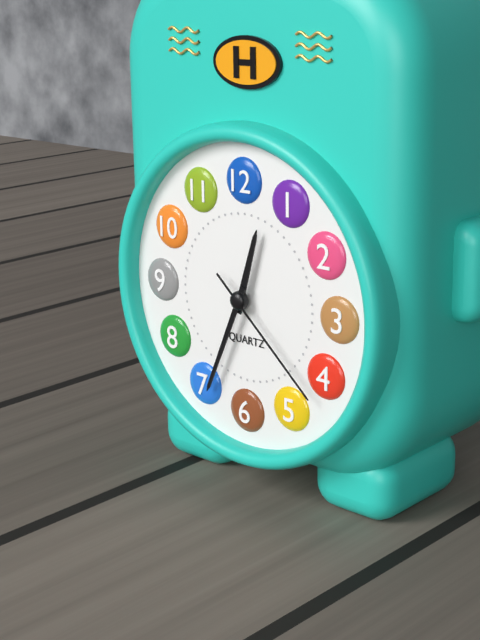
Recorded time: 12:34:22
